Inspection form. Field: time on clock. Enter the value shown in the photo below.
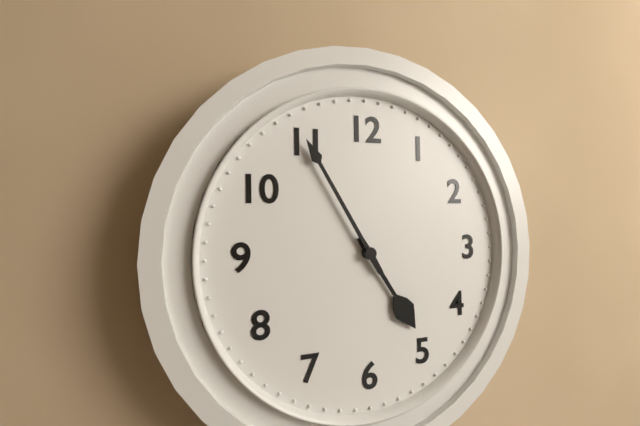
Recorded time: 4:55
